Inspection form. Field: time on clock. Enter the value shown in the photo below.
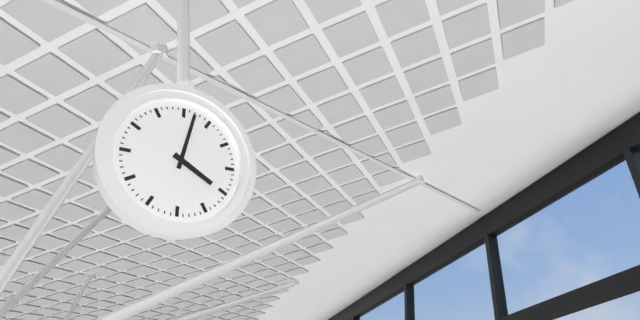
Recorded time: 4:02
